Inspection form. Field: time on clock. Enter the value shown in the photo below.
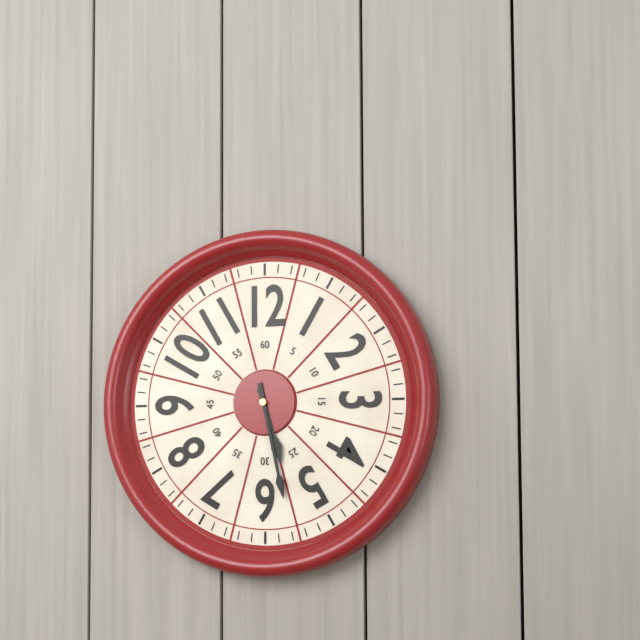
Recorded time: 5:28
